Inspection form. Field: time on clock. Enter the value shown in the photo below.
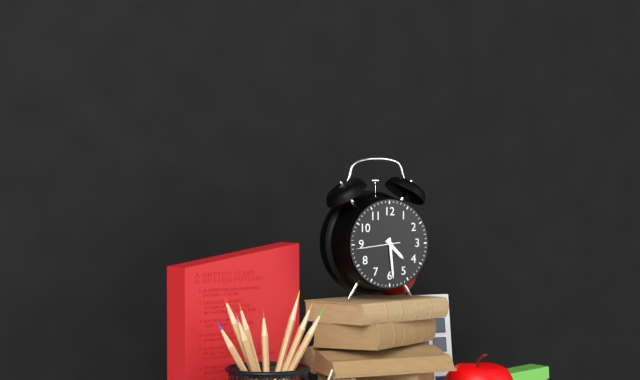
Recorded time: 4:29
